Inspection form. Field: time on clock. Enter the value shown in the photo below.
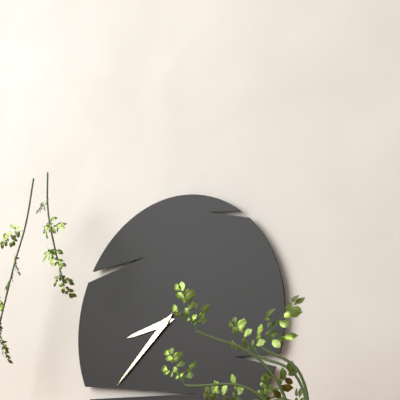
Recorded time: 8:38
